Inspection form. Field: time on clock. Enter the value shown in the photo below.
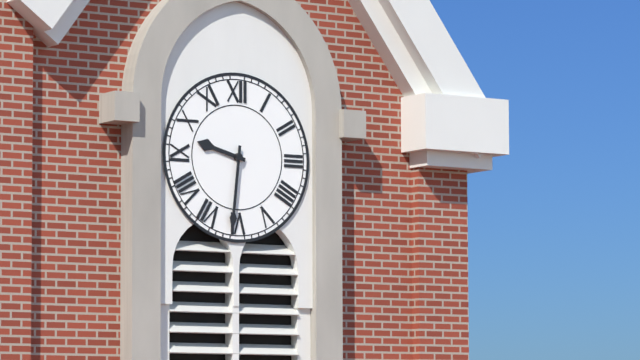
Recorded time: 9:31
